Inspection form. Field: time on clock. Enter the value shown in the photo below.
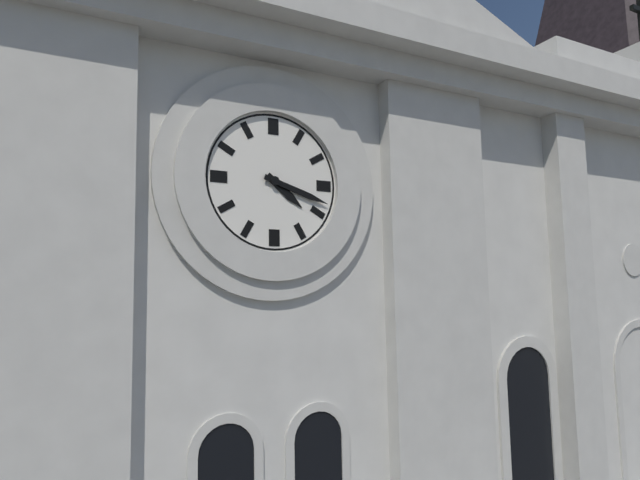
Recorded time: 4:18
